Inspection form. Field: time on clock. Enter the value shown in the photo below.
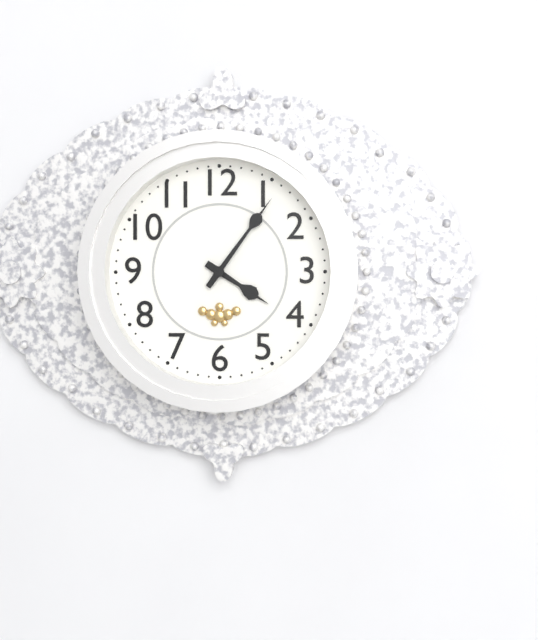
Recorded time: 4:06
